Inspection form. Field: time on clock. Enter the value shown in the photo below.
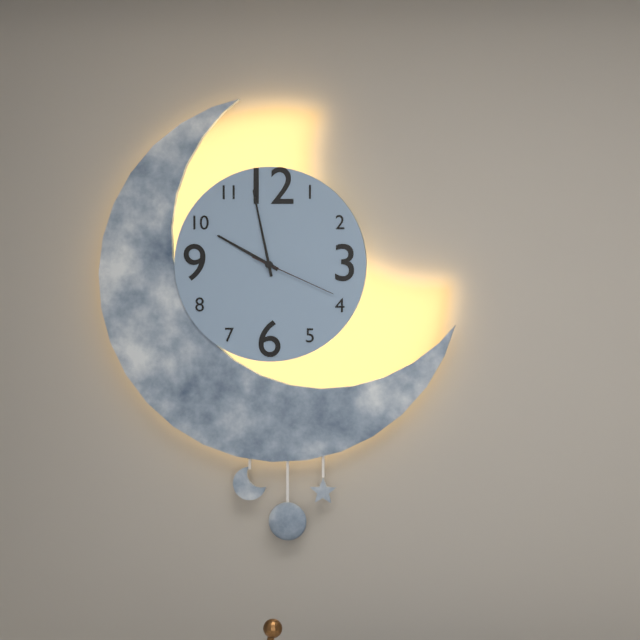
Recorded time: 9:58:19
